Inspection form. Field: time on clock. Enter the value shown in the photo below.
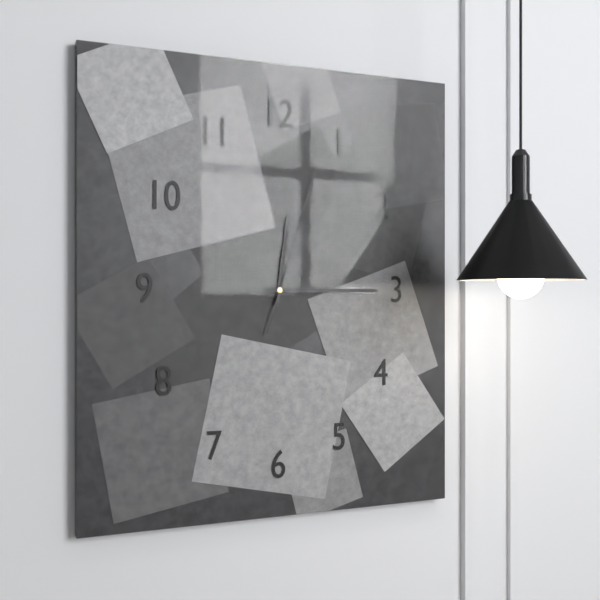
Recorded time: 12:15:03
